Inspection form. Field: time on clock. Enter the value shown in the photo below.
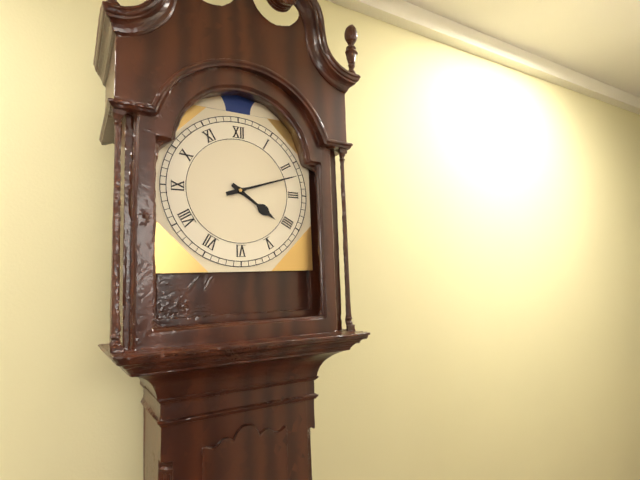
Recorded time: 4:12
